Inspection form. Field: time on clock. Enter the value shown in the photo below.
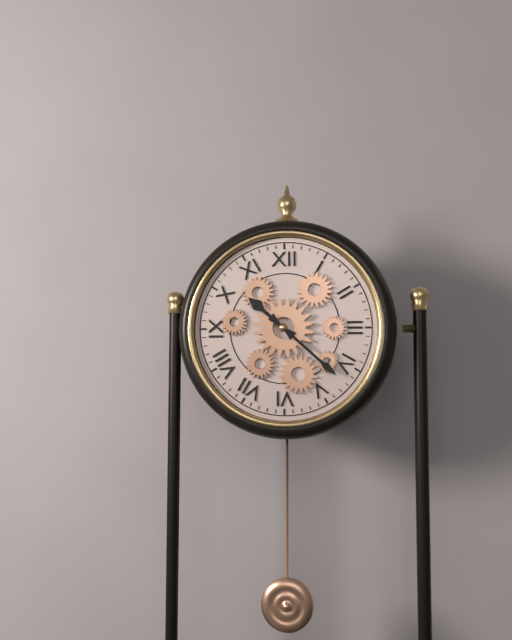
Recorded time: 10:22
